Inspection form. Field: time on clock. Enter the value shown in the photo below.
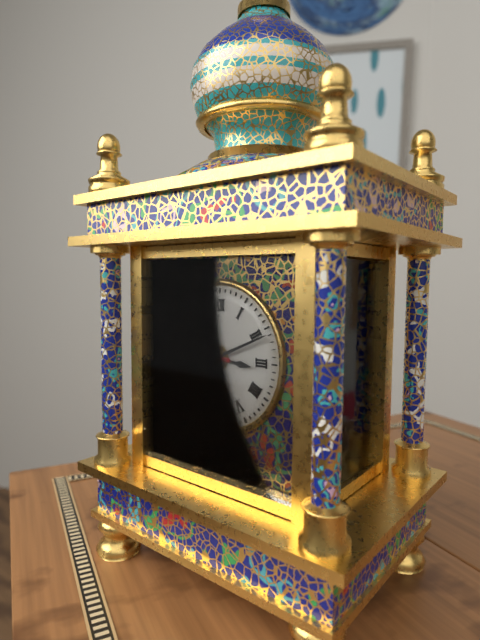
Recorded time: 3:11:45
